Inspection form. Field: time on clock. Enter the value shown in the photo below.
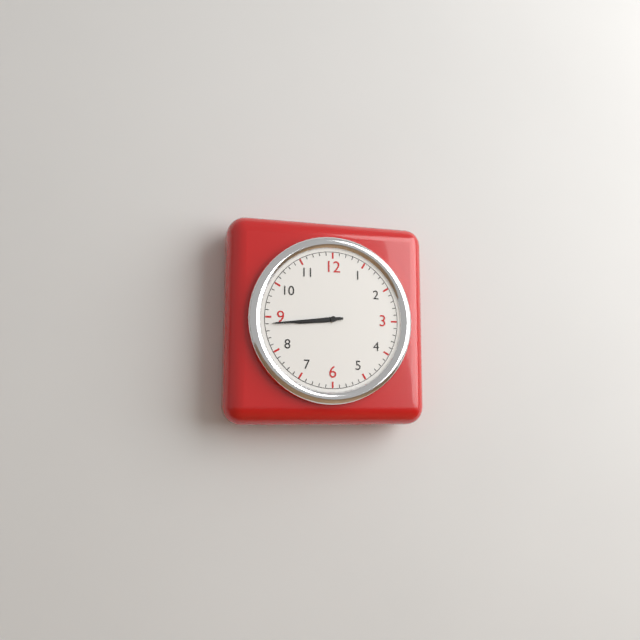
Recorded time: 8:44
